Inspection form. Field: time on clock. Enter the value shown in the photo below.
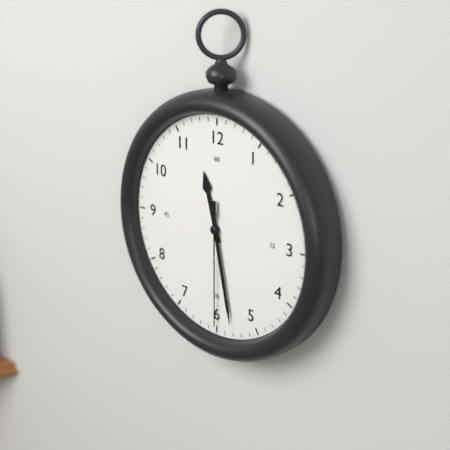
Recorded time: 11:28:30
